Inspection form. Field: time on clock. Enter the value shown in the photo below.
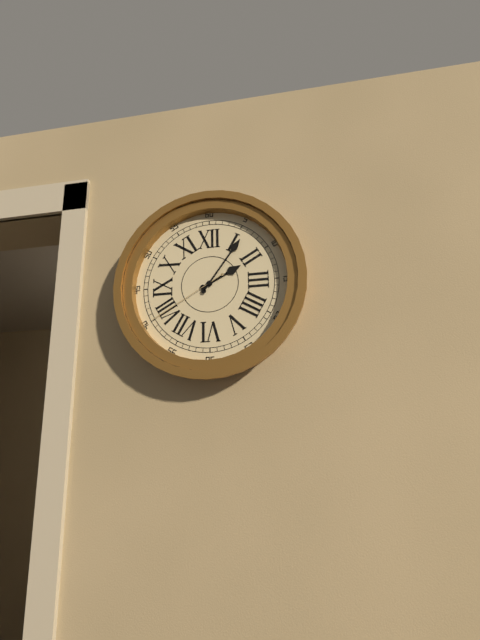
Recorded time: 2:06:40
